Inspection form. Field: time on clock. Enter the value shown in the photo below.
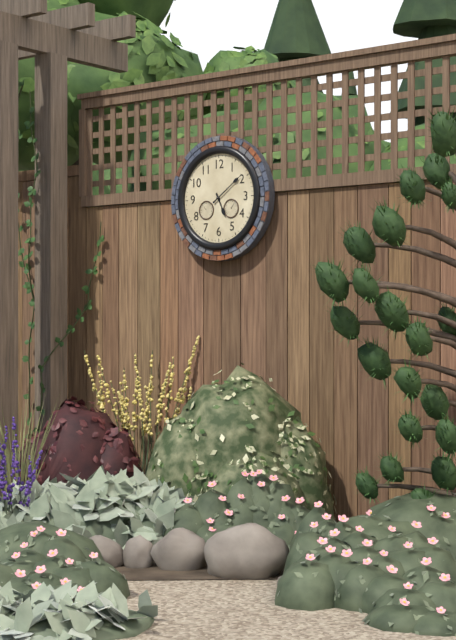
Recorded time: 5:09
